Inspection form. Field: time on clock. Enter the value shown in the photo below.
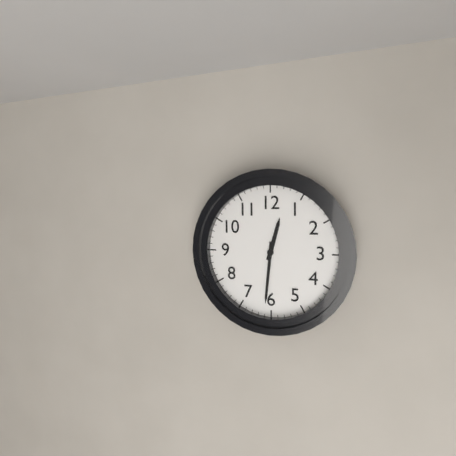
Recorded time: 12:31
